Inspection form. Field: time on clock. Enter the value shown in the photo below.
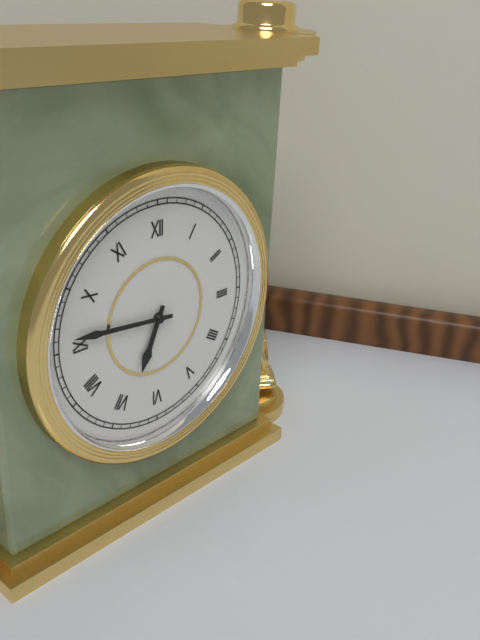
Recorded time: 6:46
